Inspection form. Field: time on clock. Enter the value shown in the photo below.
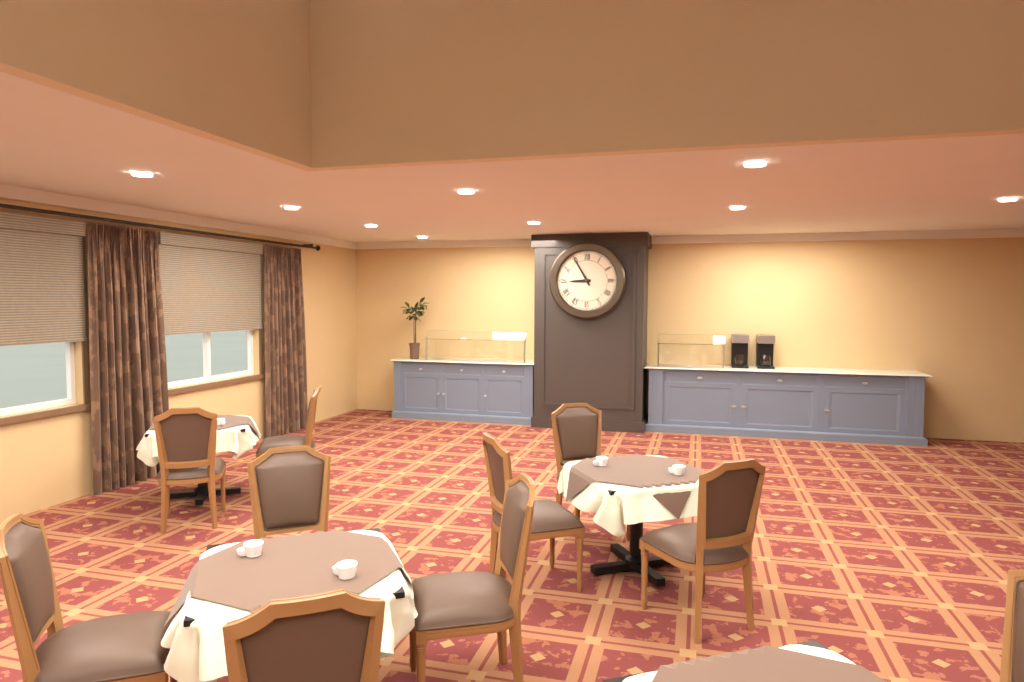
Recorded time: 8:55
